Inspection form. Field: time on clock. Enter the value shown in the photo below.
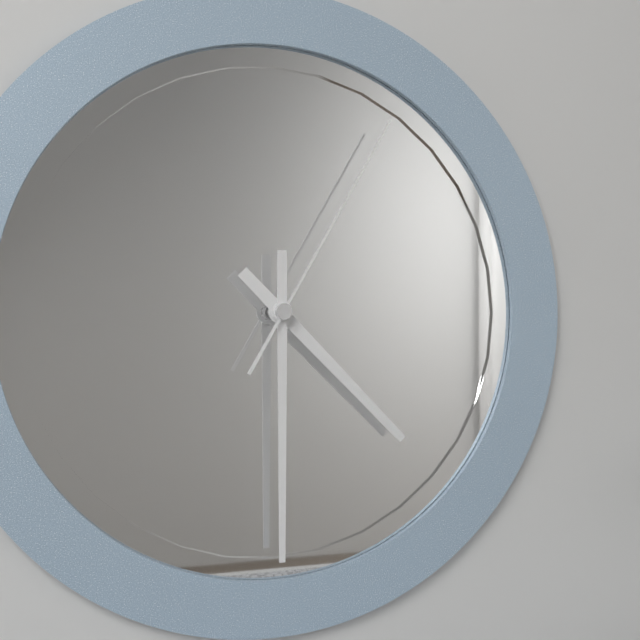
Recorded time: 4:30:05
